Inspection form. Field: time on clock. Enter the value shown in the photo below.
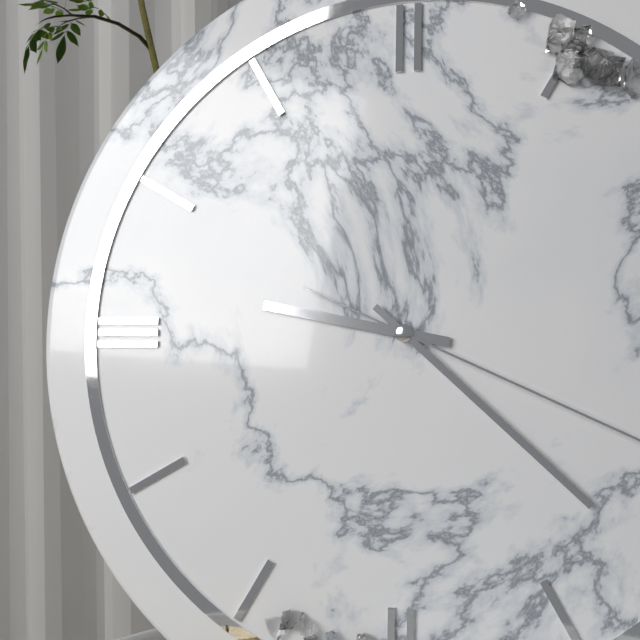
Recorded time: 9:22
